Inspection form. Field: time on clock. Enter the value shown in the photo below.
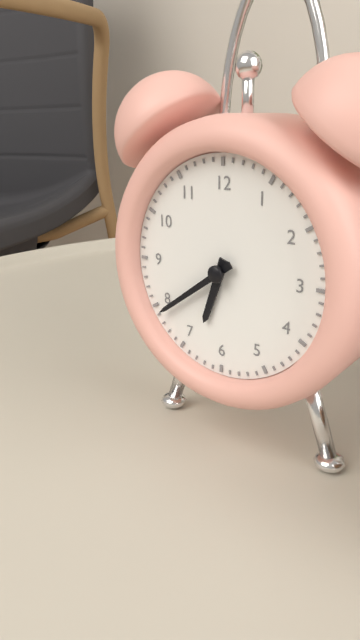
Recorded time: 6:39
